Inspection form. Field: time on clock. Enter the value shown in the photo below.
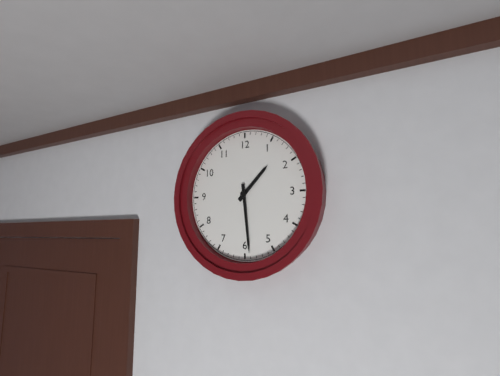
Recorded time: 1:29
